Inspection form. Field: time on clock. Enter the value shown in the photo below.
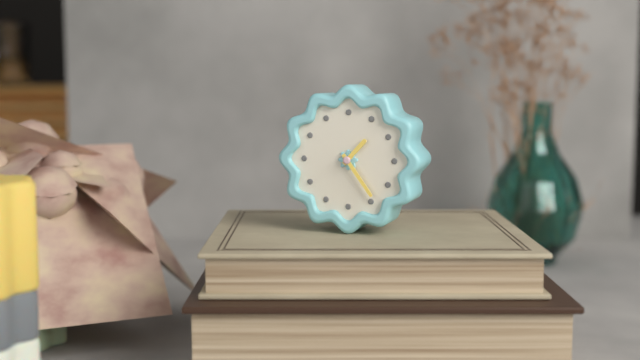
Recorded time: 1:24
